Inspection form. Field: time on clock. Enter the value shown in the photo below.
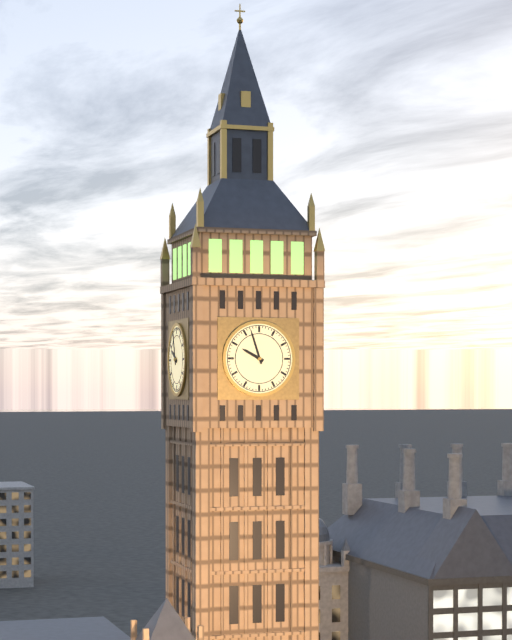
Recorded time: 9:57
